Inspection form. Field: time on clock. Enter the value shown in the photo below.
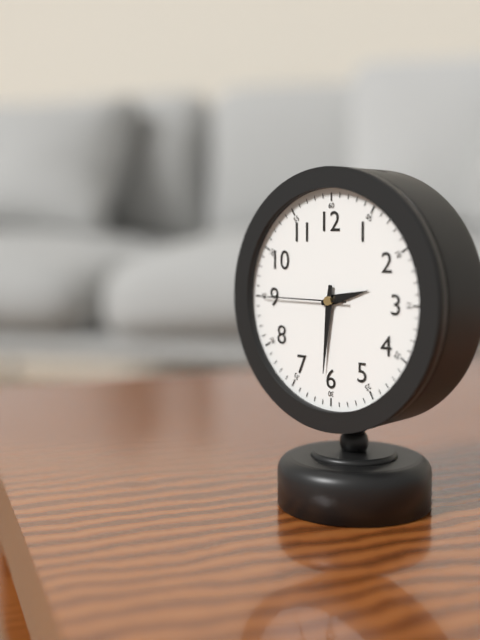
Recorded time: 2:31:45
